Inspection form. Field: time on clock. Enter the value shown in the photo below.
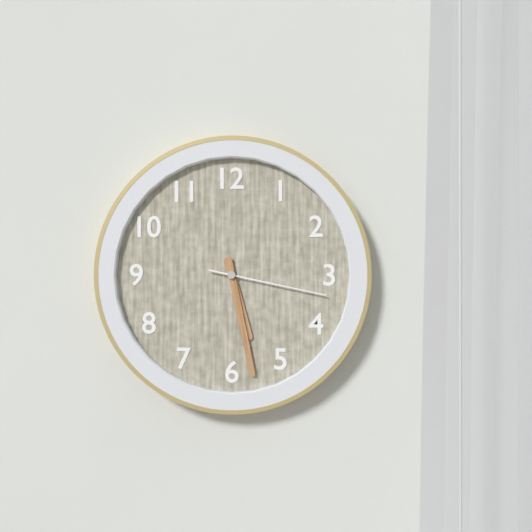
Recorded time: 5:28:17
